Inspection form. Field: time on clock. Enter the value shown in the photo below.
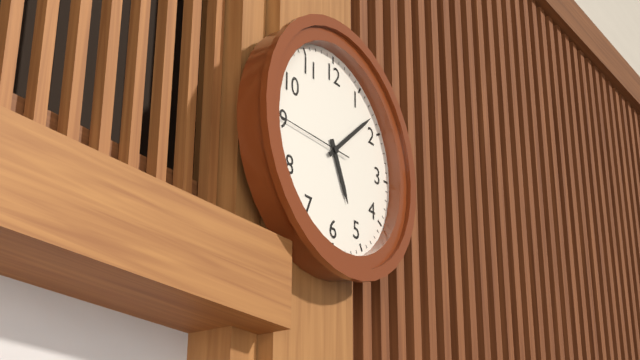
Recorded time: 5:08:45
